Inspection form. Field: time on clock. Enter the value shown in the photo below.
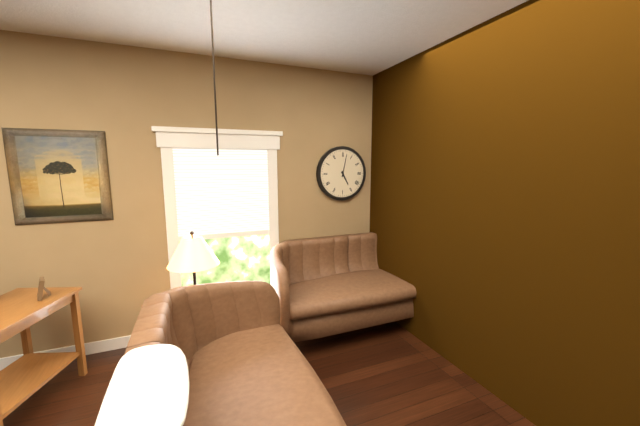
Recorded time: 5:02
